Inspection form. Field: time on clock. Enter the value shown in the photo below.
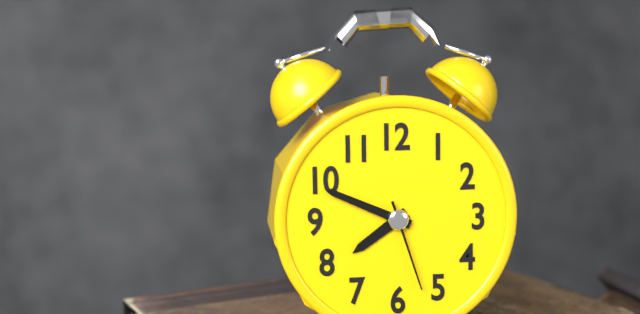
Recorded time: 7:49:27
